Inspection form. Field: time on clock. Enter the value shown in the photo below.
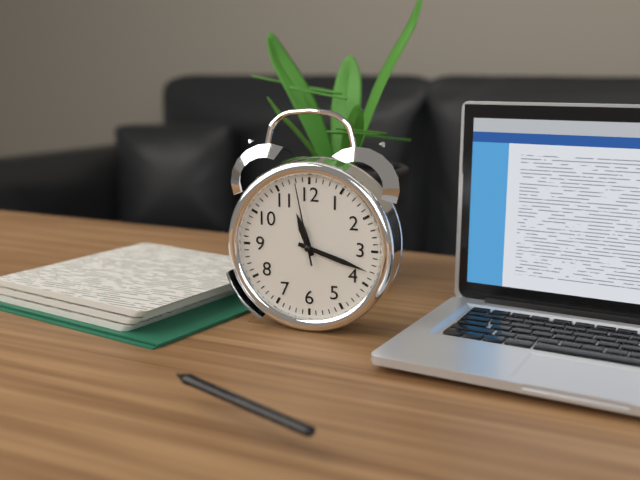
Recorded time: 11:18:58
